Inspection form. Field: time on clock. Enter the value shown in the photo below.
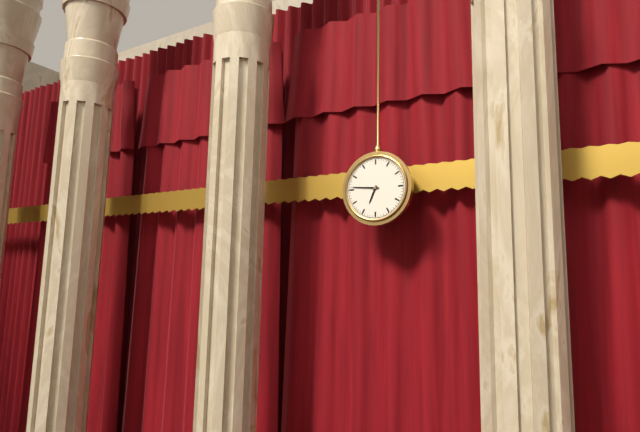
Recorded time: 6:46
